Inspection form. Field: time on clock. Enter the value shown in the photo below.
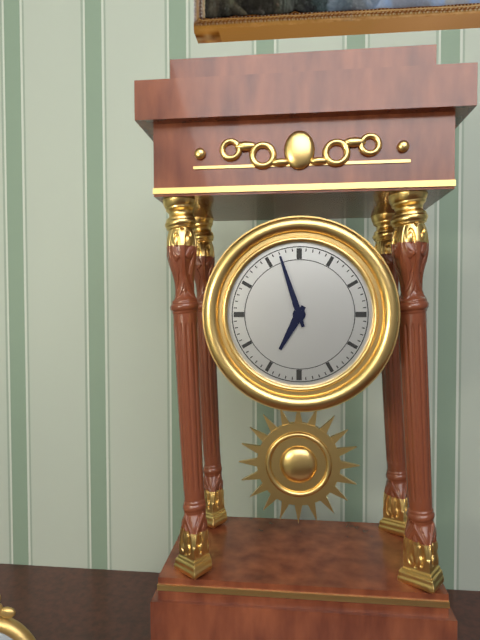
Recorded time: 6:57
